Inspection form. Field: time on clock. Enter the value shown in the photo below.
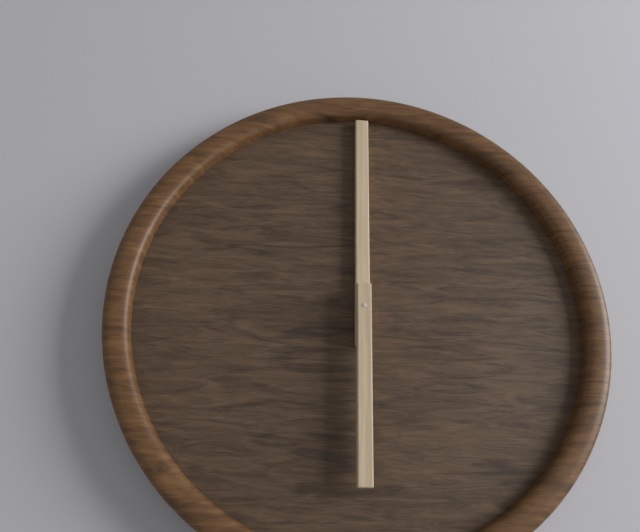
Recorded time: 6:00
